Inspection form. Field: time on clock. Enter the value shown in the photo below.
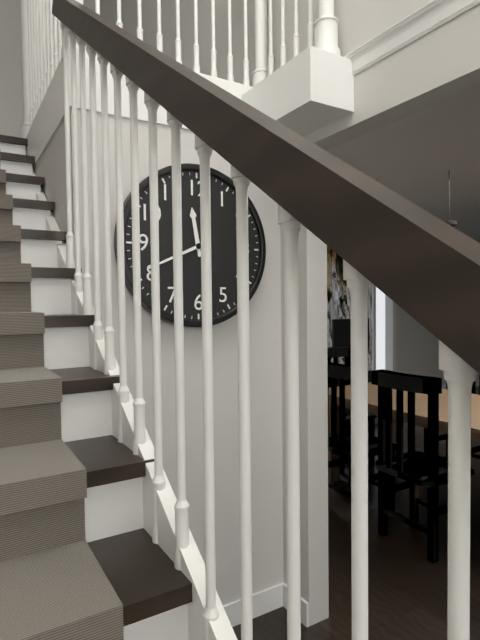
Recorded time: 11:41
